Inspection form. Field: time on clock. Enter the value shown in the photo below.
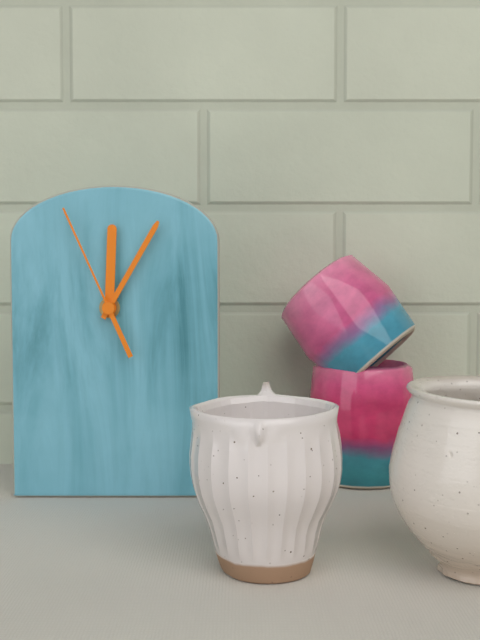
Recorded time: 12:05:56
